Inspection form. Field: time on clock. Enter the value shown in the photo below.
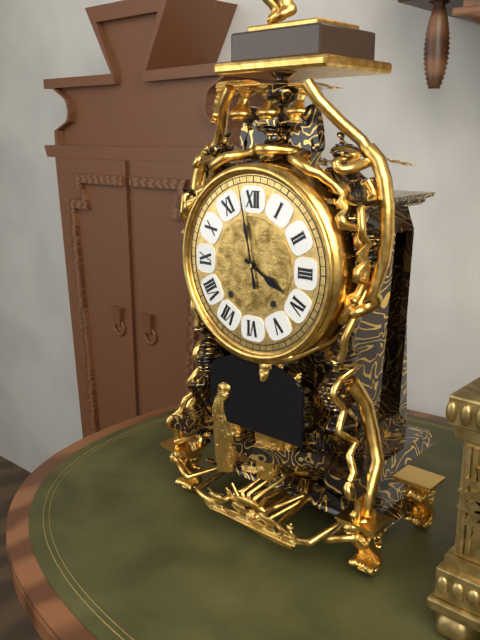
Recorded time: 3:58
